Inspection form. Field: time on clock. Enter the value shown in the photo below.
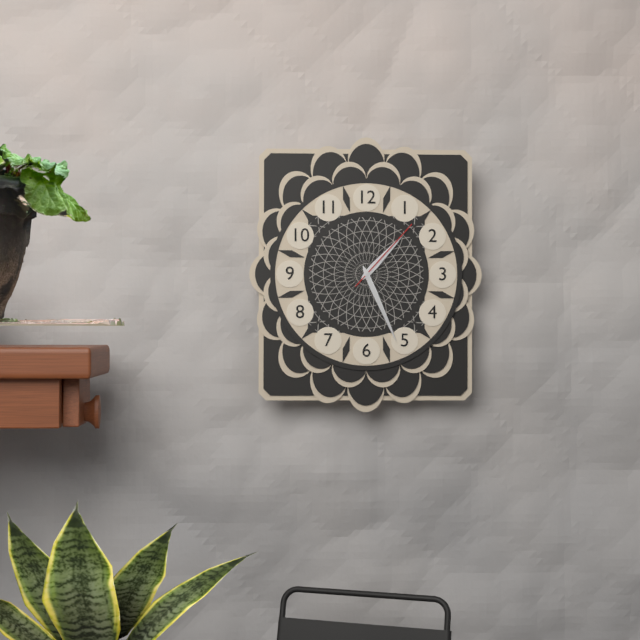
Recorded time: 1:26:07
